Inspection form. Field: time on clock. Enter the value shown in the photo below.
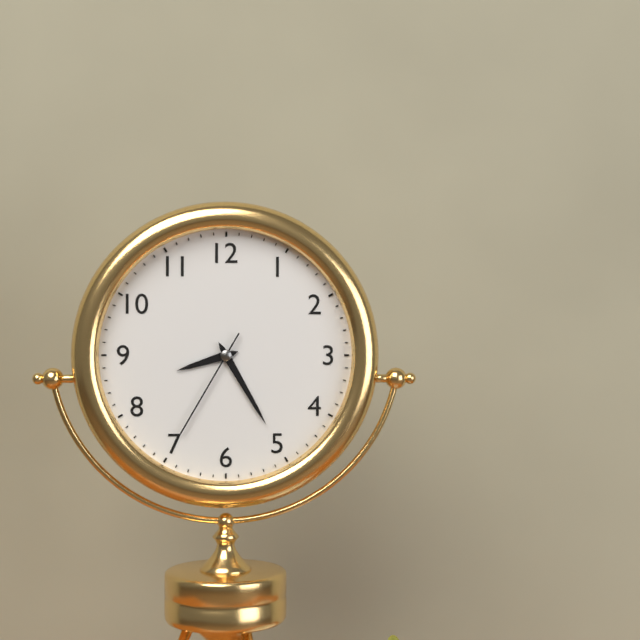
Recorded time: 8:25:35
